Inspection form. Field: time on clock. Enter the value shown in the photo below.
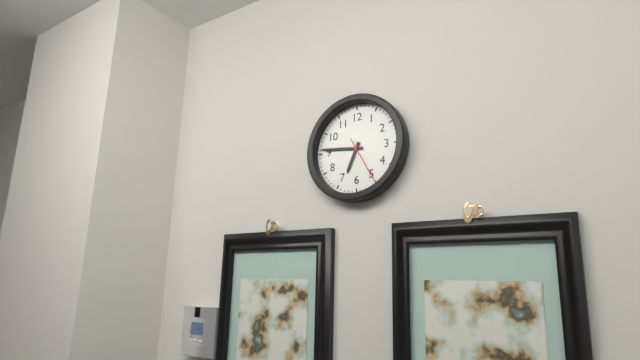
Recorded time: 6:46
